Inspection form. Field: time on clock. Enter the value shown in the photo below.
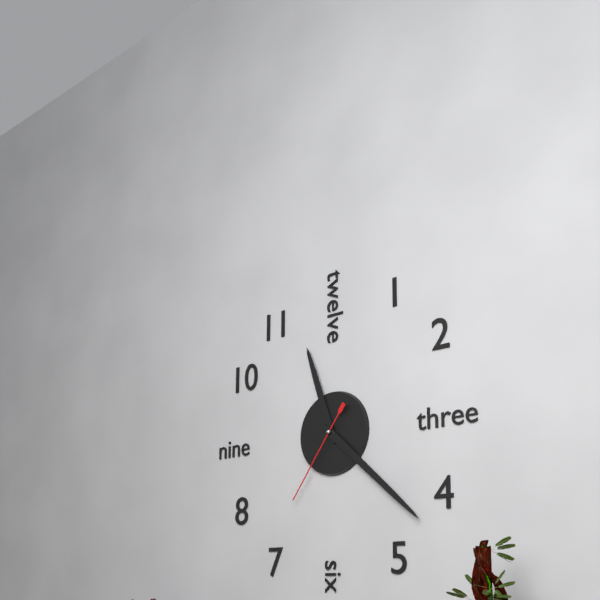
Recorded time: 11:22:36
